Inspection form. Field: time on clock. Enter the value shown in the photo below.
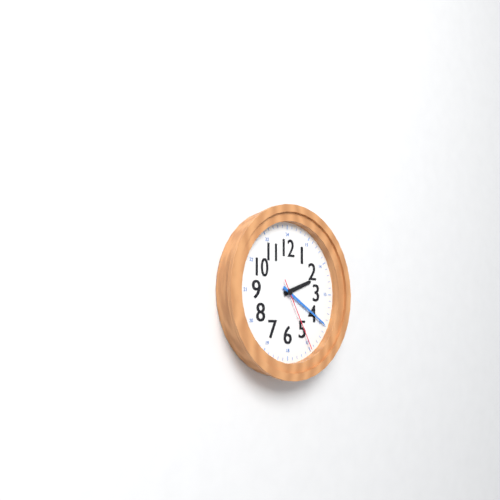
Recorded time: 2:20:25
